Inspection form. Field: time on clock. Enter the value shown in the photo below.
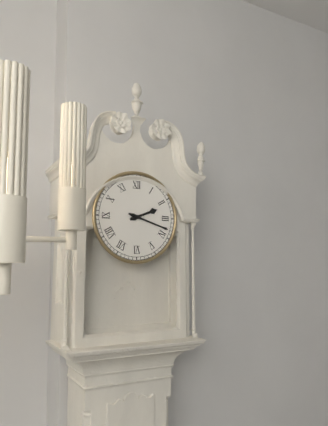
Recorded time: 2:18
